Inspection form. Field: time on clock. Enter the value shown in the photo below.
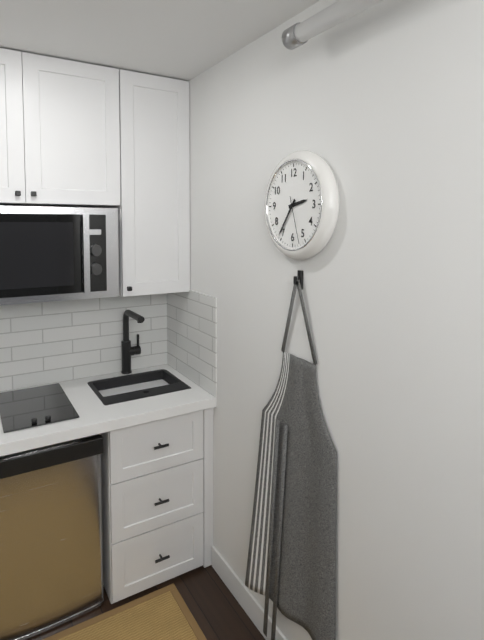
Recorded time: 2:36
